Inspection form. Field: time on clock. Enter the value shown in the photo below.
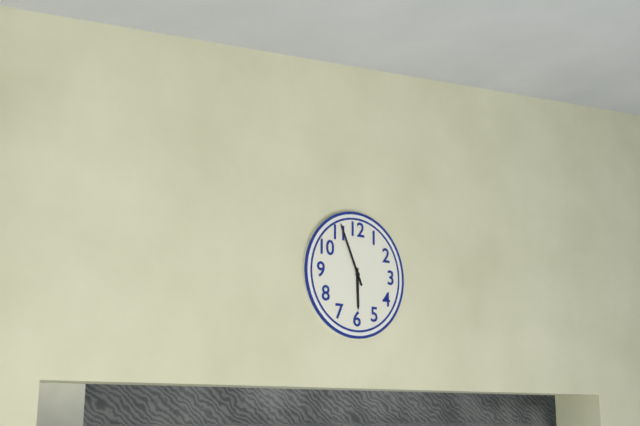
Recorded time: 5:56
